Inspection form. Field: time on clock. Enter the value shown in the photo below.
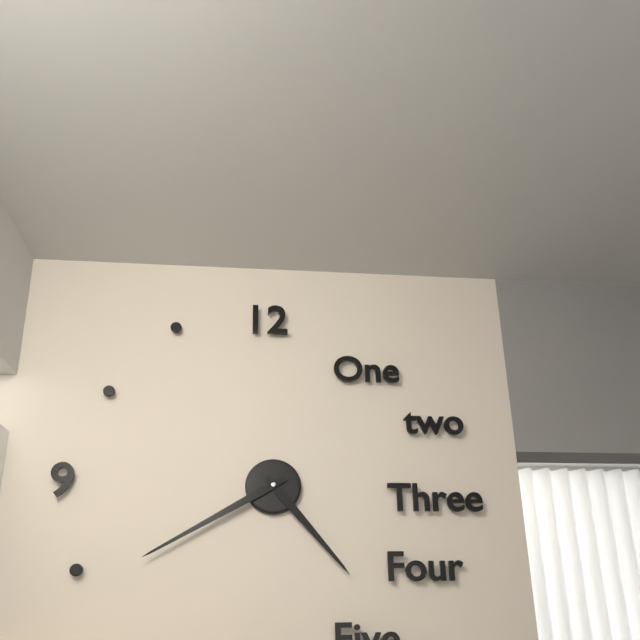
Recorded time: 4:40
